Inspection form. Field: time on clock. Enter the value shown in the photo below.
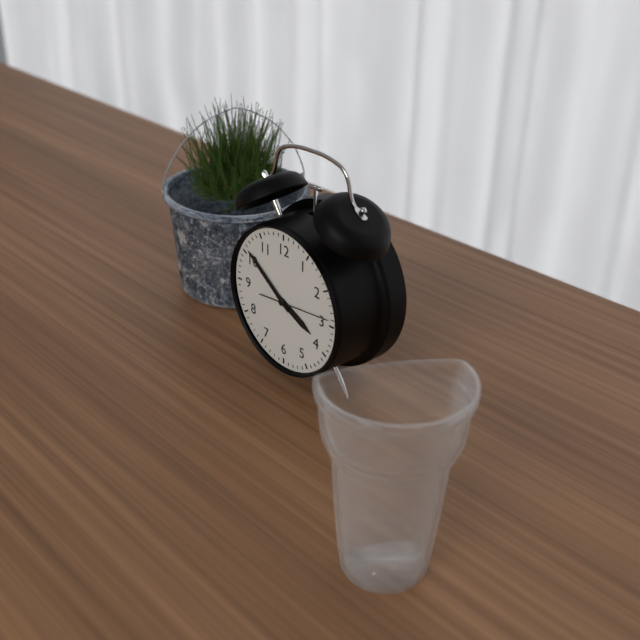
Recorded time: 3:51:14
